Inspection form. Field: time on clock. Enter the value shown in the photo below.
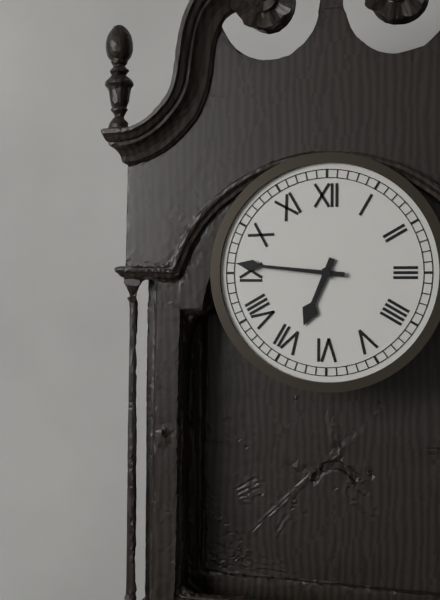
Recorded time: 6:46
